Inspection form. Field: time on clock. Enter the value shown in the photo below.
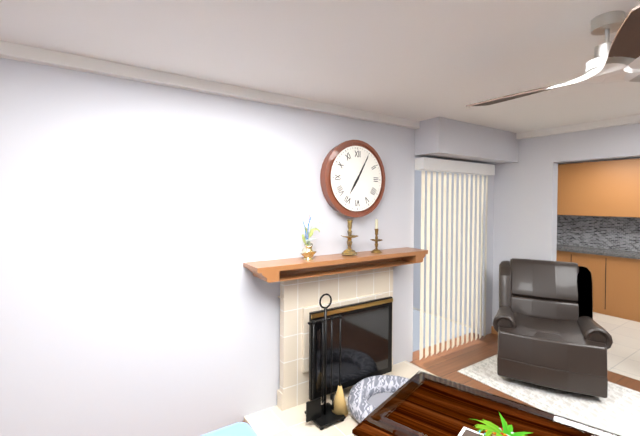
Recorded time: 7:05
